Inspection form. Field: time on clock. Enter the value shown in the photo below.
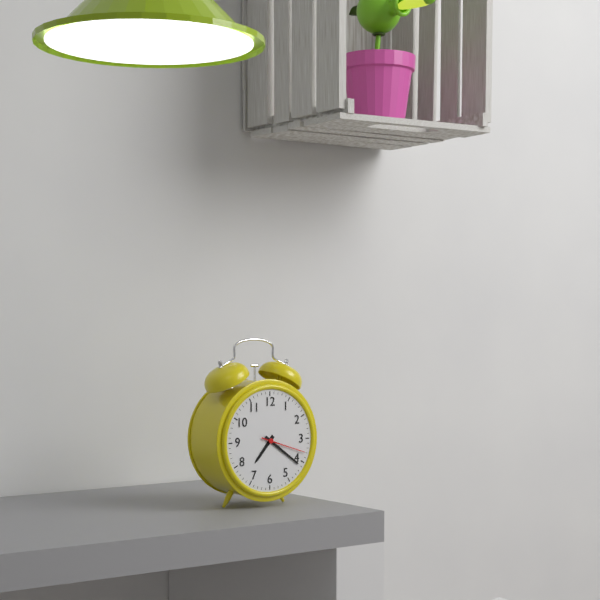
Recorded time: 7:21
